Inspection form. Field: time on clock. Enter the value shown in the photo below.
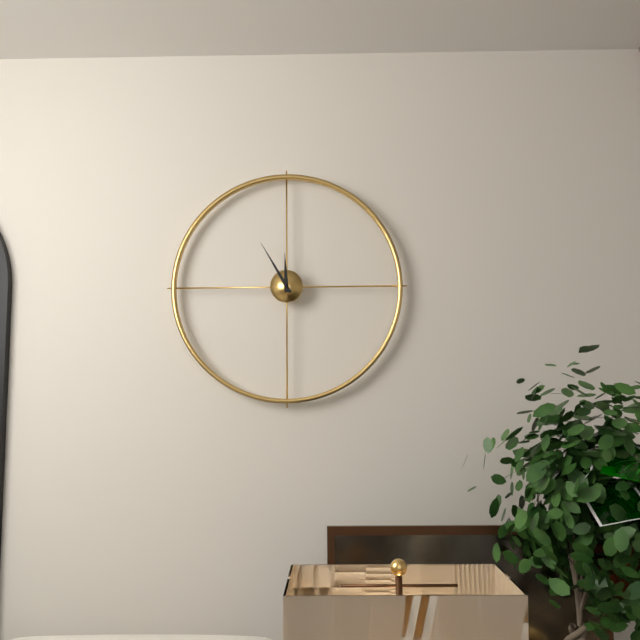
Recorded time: 11:55
